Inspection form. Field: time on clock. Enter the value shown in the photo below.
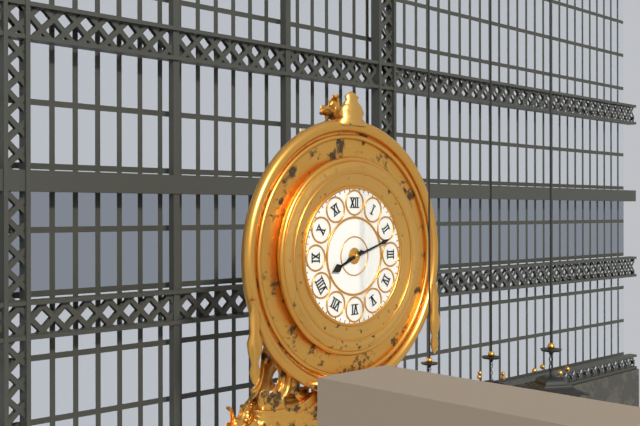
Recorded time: 8:12
